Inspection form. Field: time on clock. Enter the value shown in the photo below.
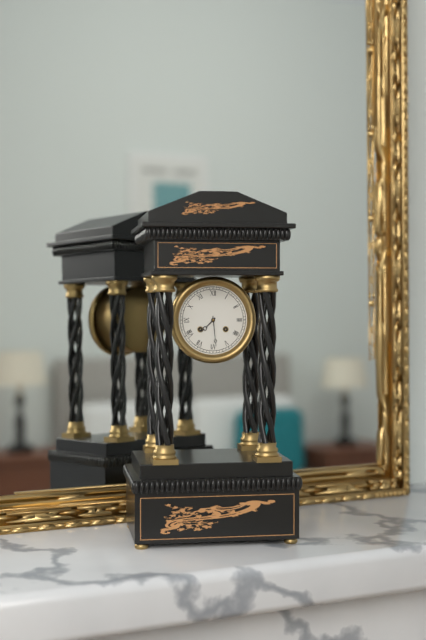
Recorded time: 7:29
